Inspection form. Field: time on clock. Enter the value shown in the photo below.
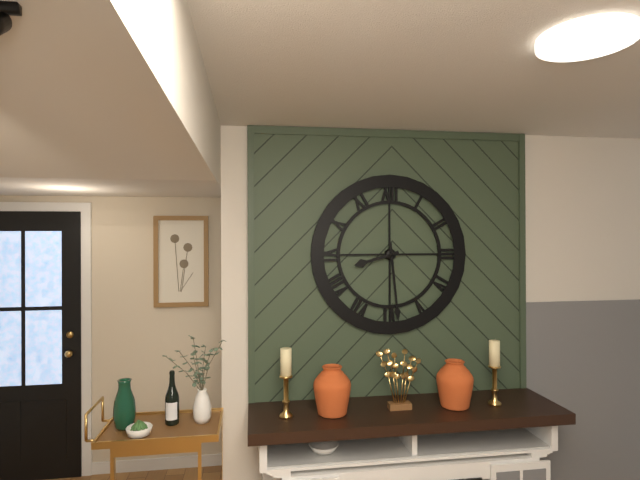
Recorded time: 8:29
